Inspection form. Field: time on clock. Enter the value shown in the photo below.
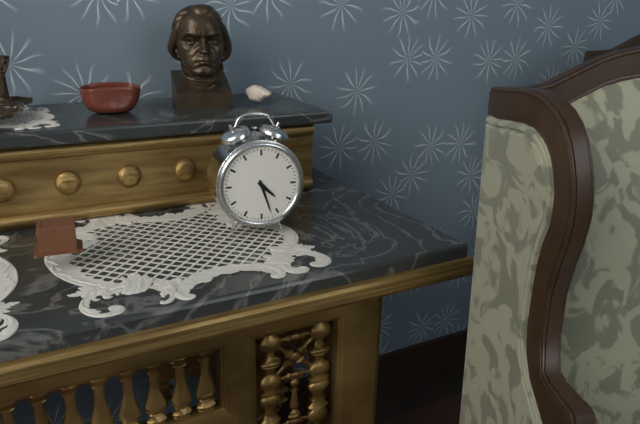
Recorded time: 4:27
